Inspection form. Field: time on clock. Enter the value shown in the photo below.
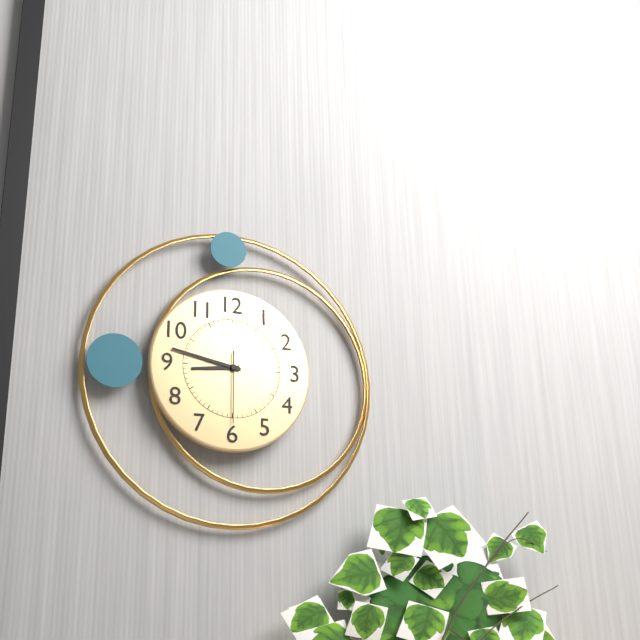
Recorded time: 8:47:30
